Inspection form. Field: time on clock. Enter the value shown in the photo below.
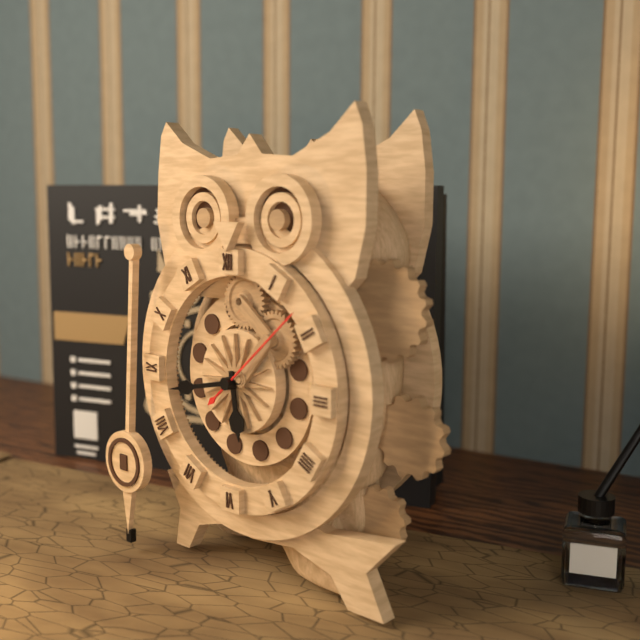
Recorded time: 5:43:08
